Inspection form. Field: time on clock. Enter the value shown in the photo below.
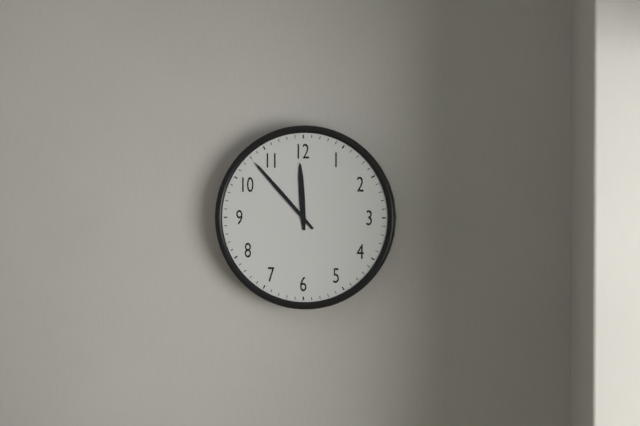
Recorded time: 11:53
